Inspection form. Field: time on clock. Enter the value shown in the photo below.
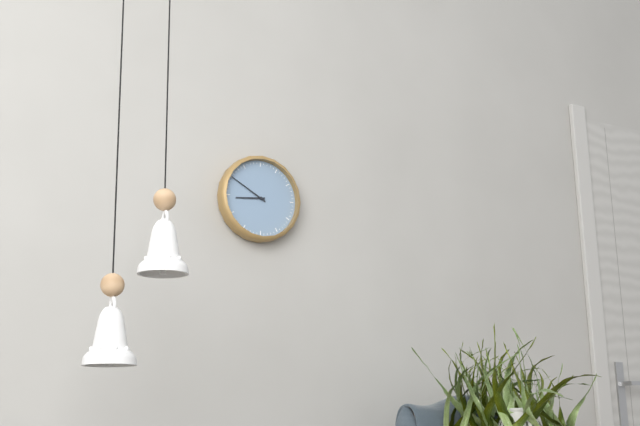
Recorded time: 8:50
